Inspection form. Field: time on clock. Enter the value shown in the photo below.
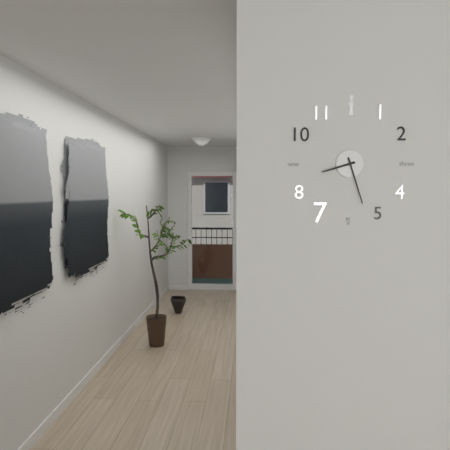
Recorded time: 8:27
